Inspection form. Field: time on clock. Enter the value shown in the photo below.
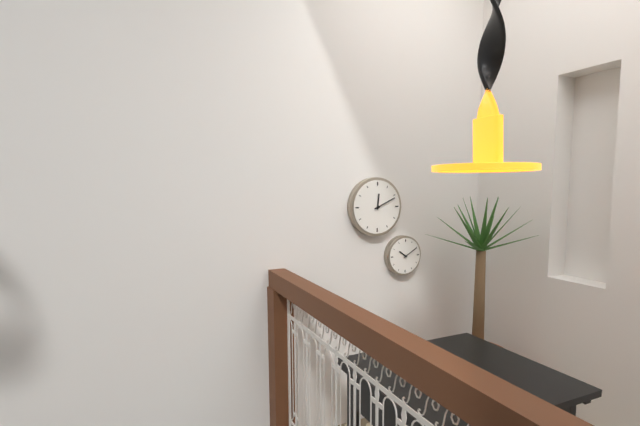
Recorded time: 12:11
